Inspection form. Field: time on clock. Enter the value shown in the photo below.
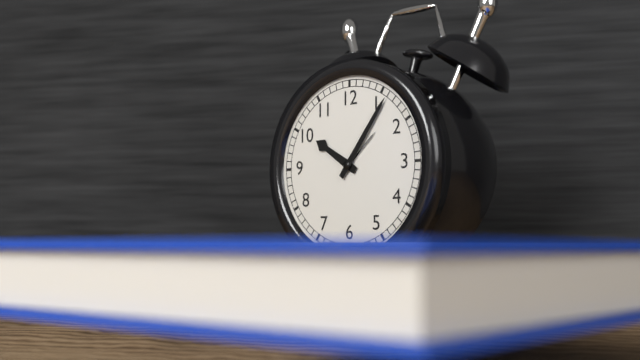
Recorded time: 10:06
